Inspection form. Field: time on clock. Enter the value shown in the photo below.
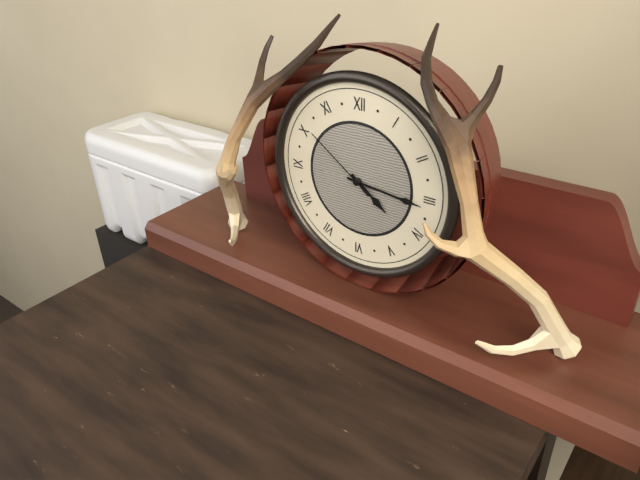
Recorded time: 4:16:51
